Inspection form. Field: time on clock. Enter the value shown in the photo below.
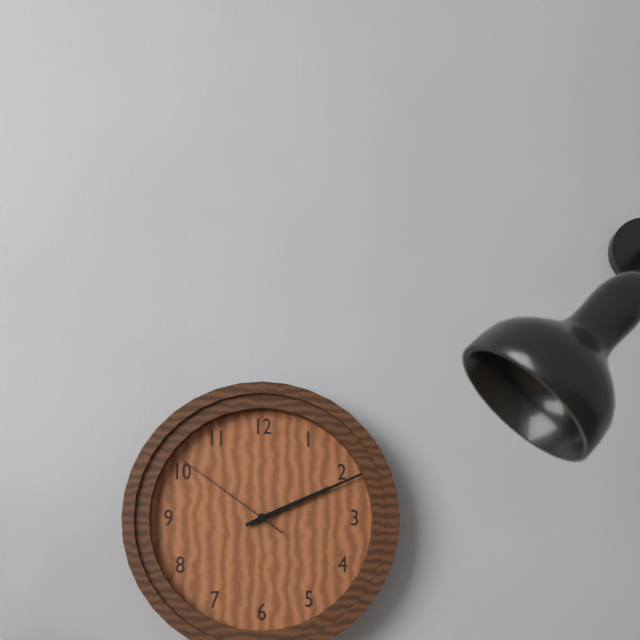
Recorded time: 2:11:51
